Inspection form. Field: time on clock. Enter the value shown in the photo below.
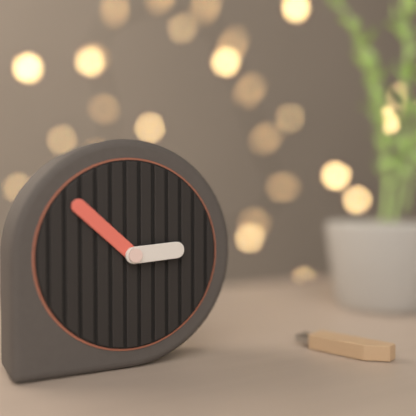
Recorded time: 2:52
